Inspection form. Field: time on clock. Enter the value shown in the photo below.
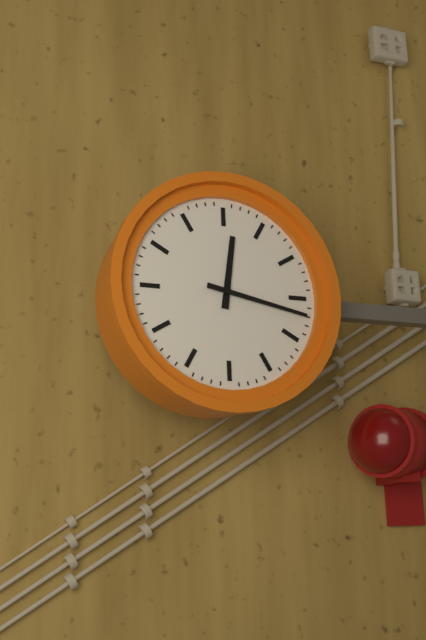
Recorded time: 12:17
